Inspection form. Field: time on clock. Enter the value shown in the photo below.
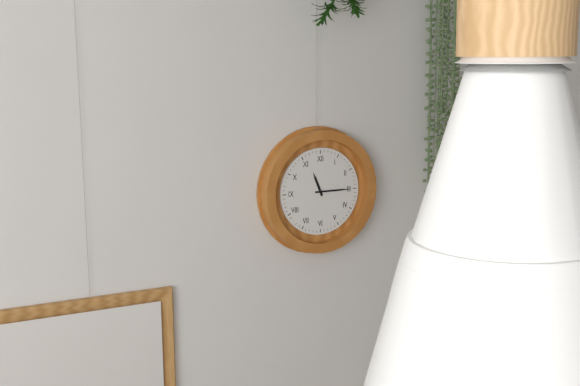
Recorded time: 11:15
